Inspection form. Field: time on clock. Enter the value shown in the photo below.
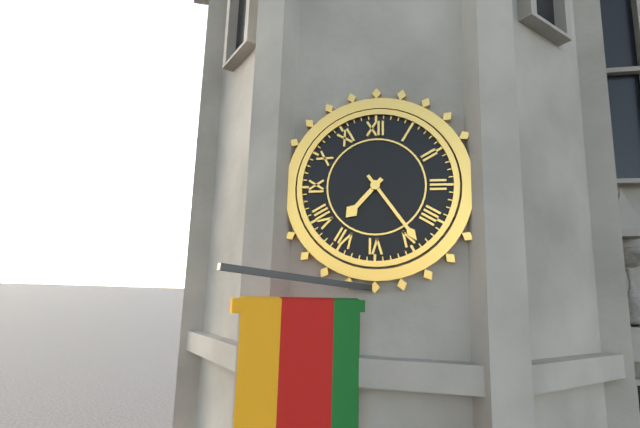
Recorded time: 7:24
